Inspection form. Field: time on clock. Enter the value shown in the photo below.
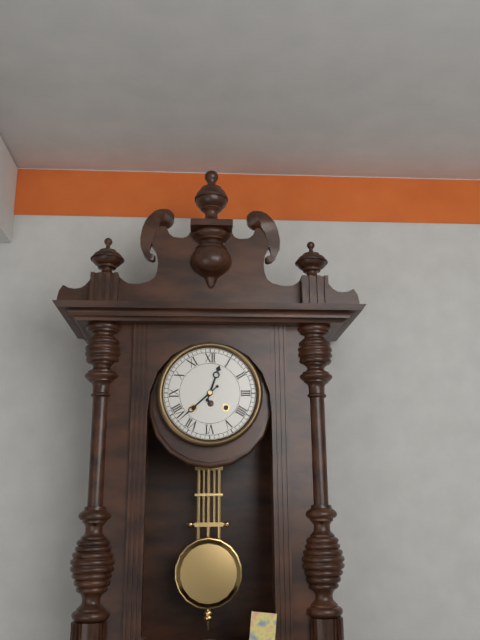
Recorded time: 12:38
